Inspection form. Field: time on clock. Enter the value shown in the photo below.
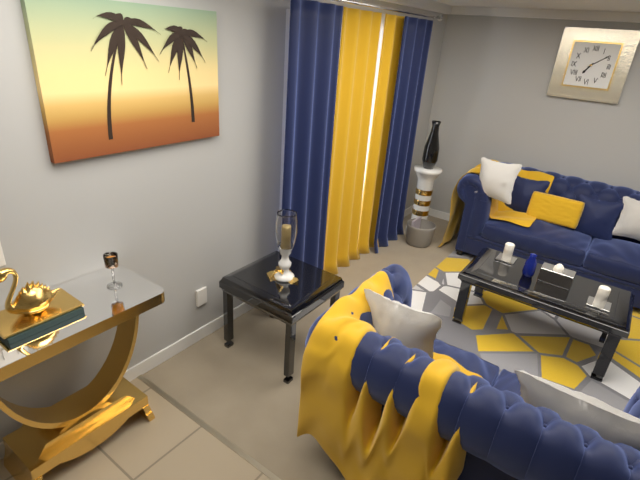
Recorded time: 7:09
